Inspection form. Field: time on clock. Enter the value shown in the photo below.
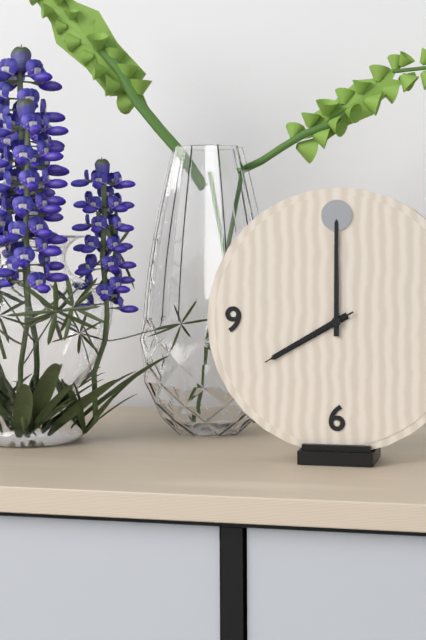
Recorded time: 8:00:40
